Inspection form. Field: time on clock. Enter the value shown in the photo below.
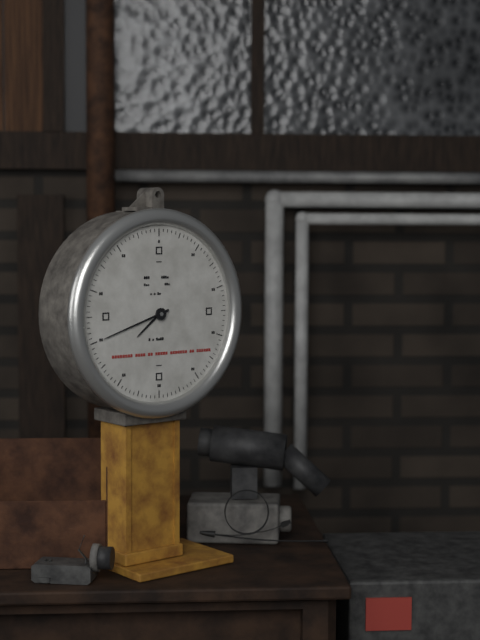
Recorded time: 7:42
